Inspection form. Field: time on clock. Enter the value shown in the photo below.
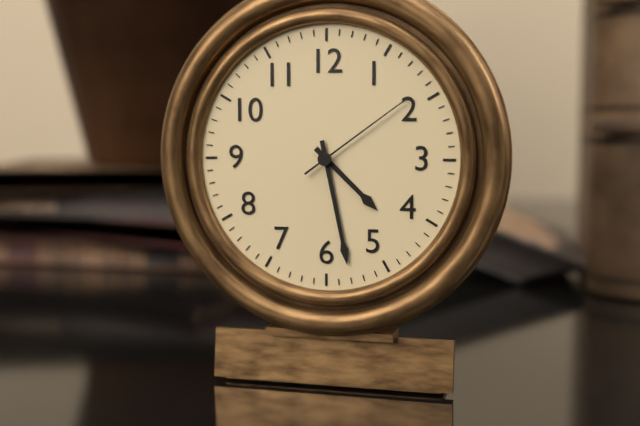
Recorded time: 4:28:09
